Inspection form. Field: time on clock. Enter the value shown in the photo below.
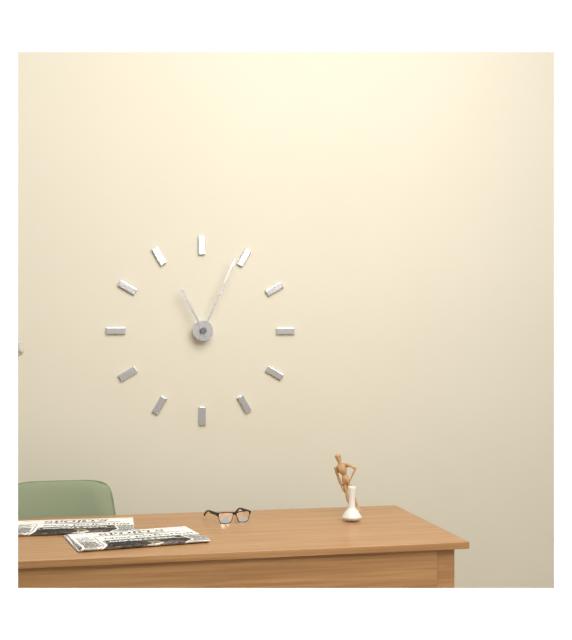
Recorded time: 11:04
